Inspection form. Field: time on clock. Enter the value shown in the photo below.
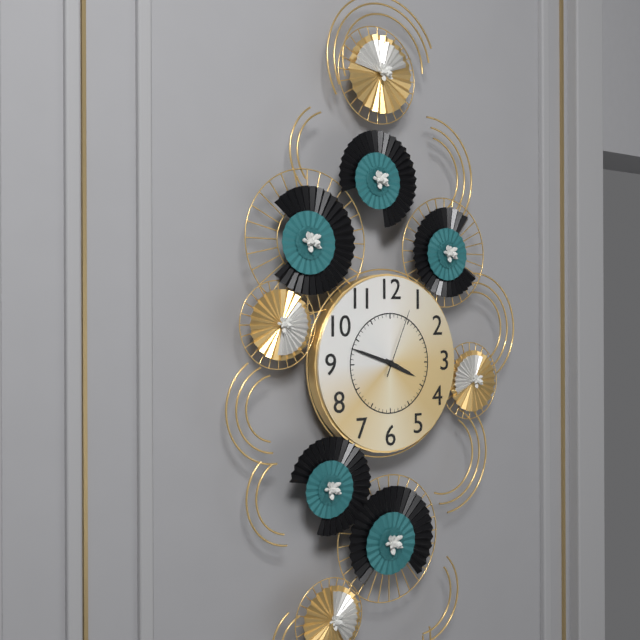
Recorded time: 3:48:04
